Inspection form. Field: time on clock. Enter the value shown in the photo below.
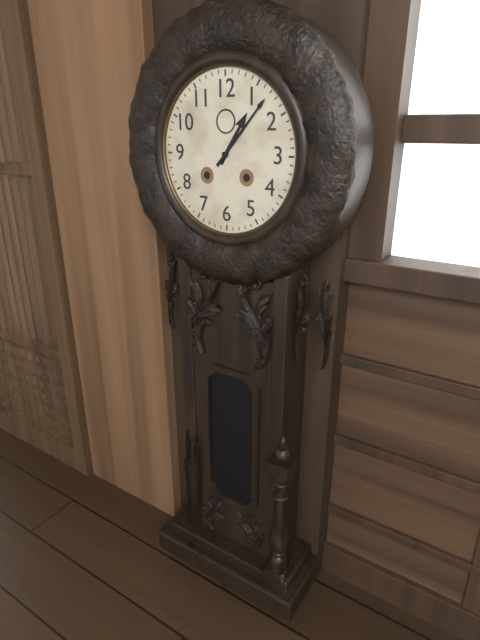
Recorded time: 1:07
